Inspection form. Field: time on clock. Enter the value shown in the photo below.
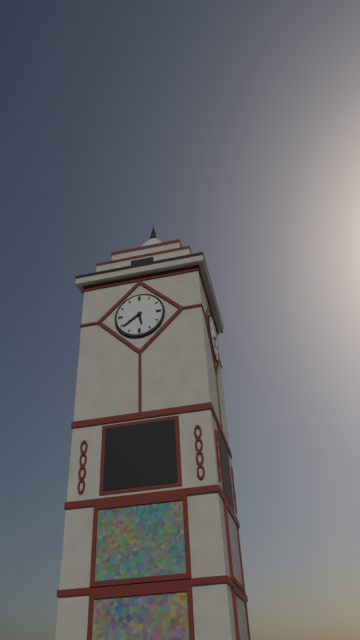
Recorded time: 5:39
